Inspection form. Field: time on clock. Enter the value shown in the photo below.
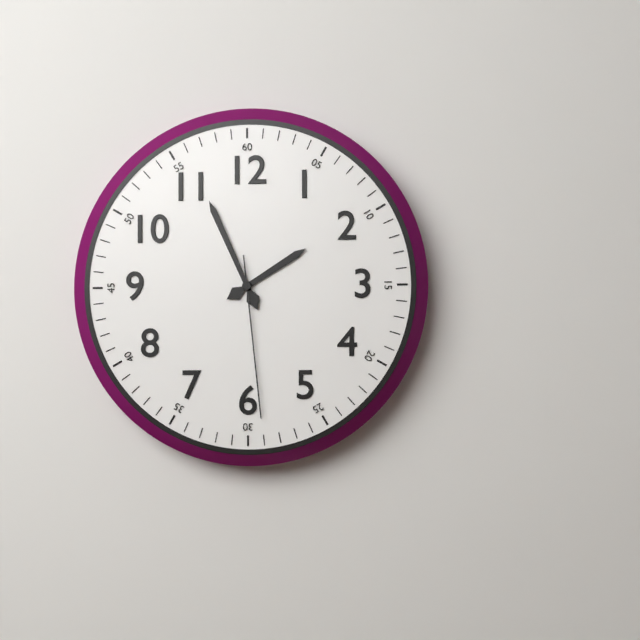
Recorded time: 1:56:29
